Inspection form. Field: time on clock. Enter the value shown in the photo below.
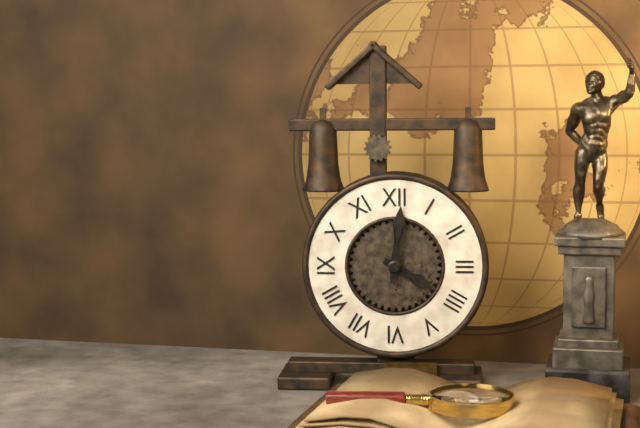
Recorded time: 4:01
